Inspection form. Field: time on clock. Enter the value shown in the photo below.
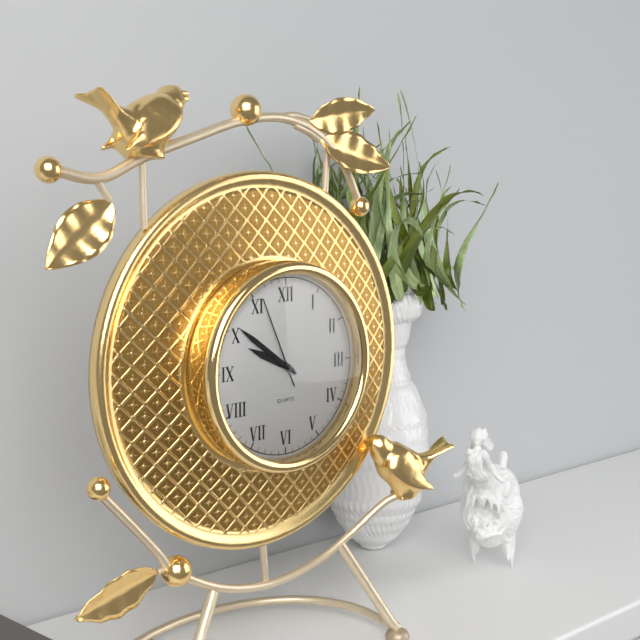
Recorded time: 9:51:56
